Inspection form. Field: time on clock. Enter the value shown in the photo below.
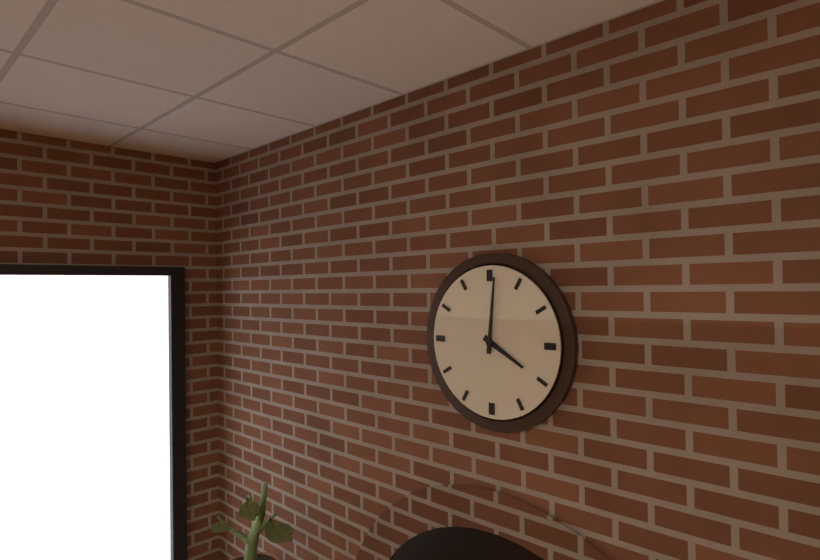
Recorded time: 4:01
